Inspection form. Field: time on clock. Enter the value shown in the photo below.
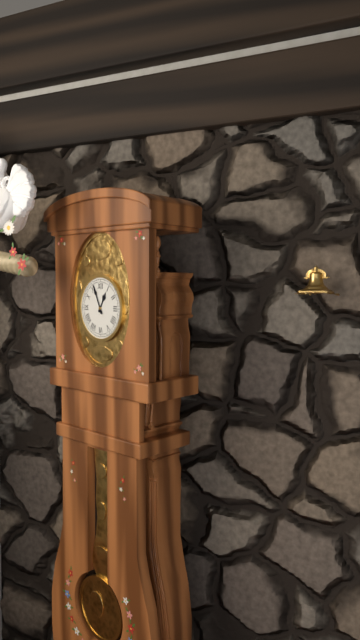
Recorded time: 12:56
